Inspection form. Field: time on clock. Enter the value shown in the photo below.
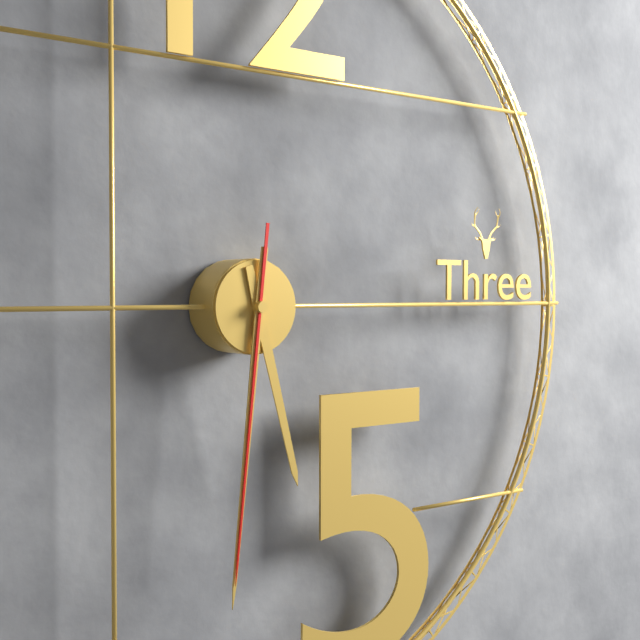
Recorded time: 5:31:31
